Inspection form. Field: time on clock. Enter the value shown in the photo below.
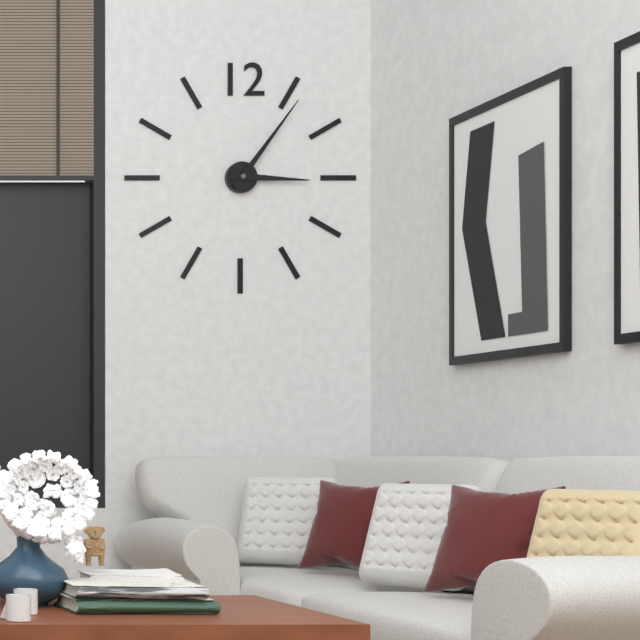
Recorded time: 3:06
